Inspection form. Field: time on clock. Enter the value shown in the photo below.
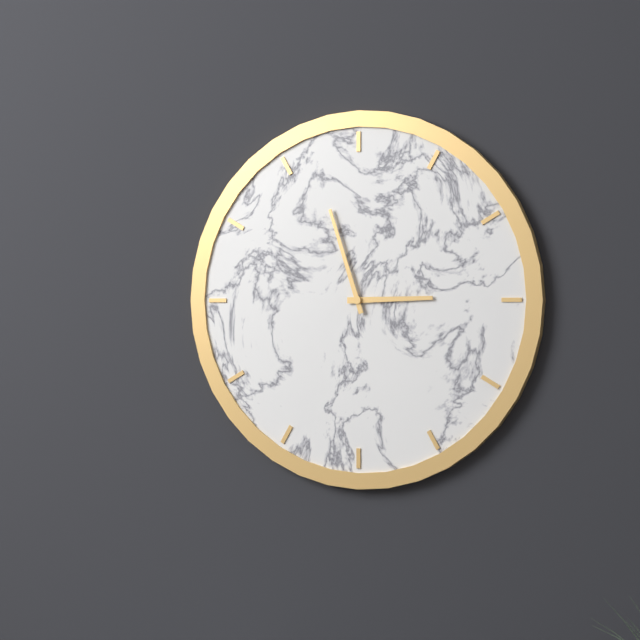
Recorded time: 2:57
